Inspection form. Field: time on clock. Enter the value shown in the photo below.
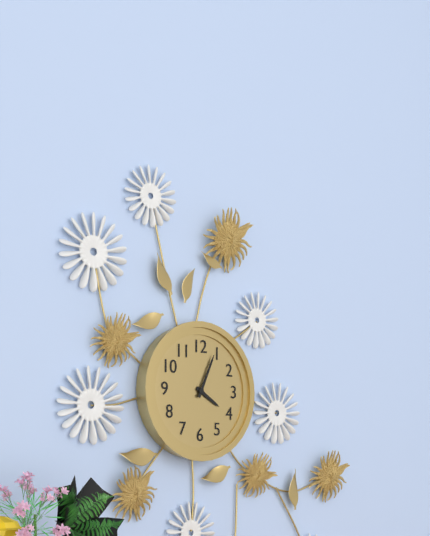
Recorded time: 4:04
